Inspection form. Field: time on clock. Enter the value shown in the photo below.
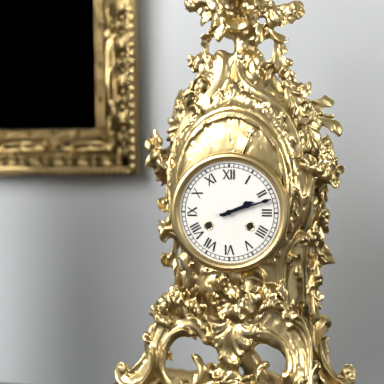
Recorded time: 2:12
